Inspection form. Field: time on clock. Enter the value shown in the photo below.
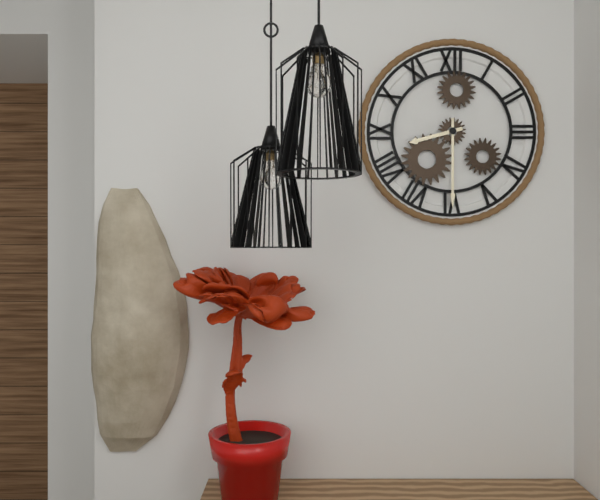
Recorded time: 8:30
